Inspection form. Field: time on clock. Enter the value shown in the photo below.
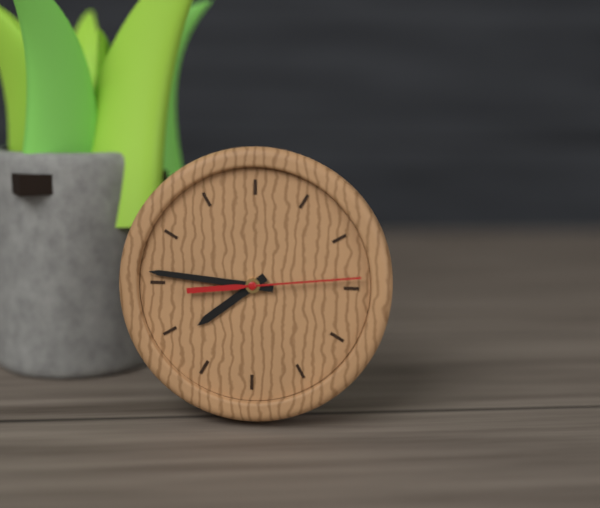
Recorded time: 7:46:14
